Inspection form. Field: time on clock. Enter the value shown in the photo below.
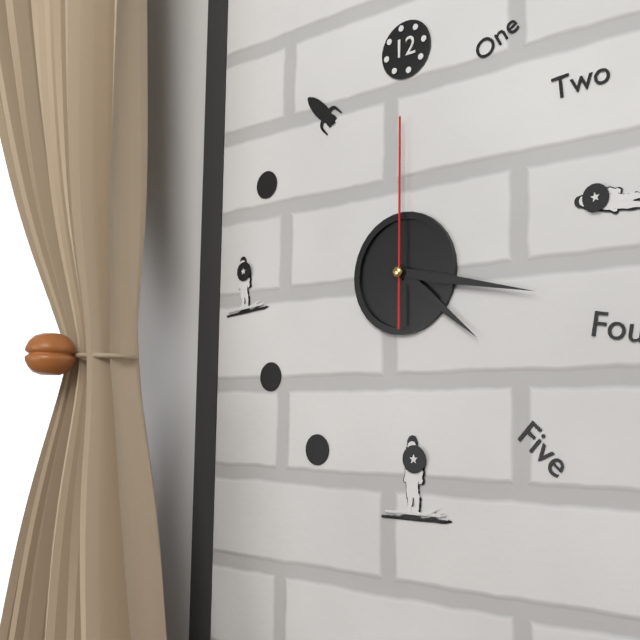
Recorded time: 4:17:00
